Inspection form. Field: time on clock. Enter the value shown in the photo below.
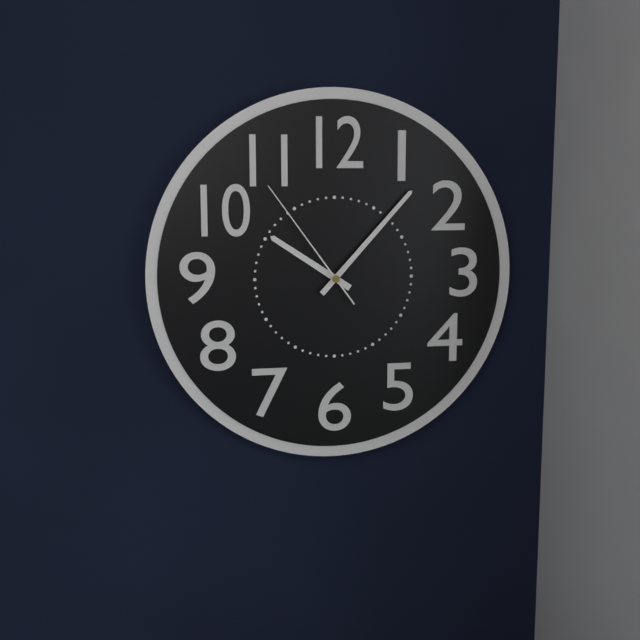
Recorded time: 10:07:54
